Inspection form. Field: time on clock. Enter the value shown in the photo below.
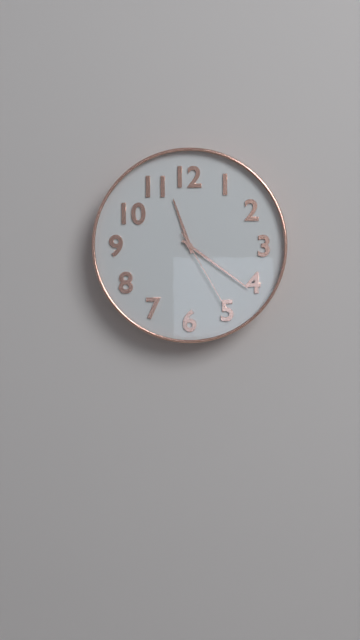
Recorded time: 11:21:25
